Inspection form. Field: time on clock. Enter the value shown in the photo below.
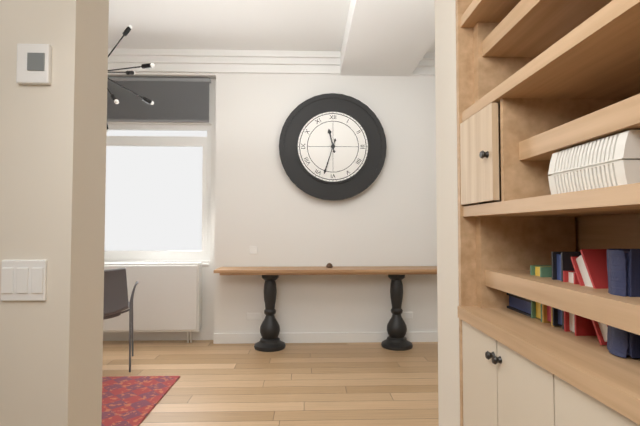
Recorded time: 11:33
